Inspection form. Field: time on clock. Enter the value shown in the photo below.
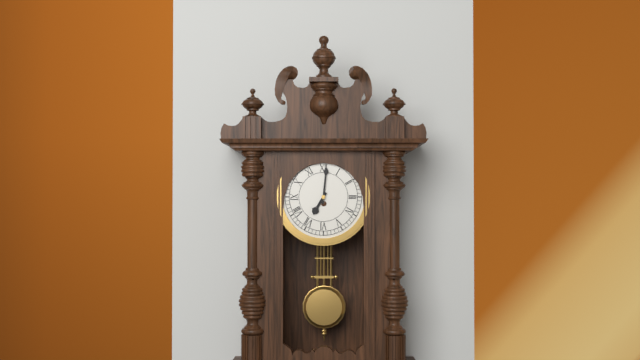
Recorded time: 7:01
